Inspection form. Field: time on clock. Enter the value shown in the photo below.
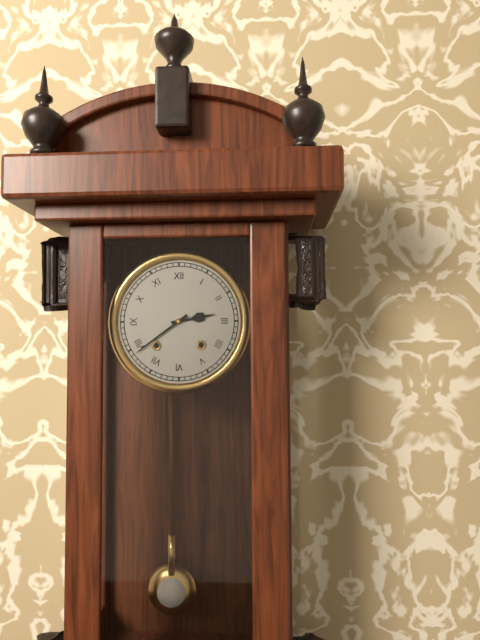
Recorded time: 2:39
